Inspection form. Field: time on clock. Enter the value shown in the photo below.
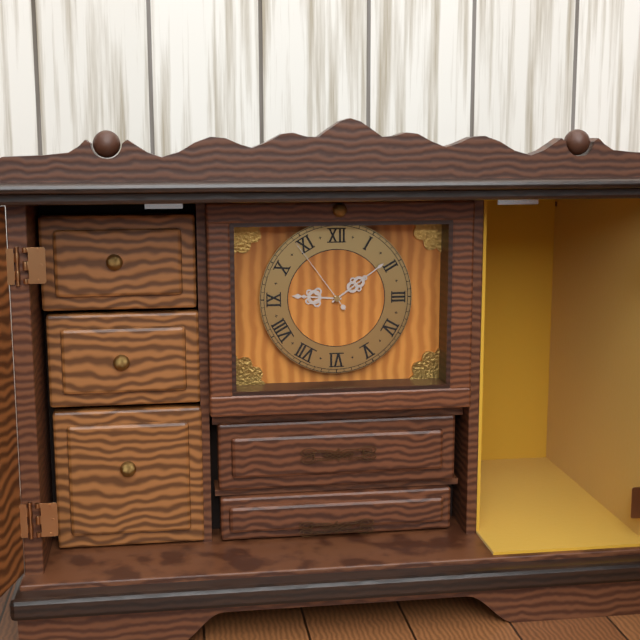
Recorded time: 9:09:54
